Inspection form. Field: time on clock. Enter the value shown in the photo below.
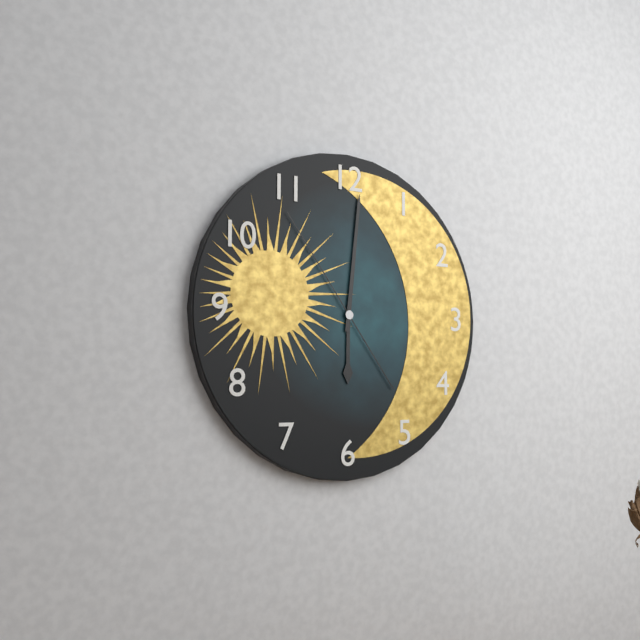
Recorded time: 6:01:54
